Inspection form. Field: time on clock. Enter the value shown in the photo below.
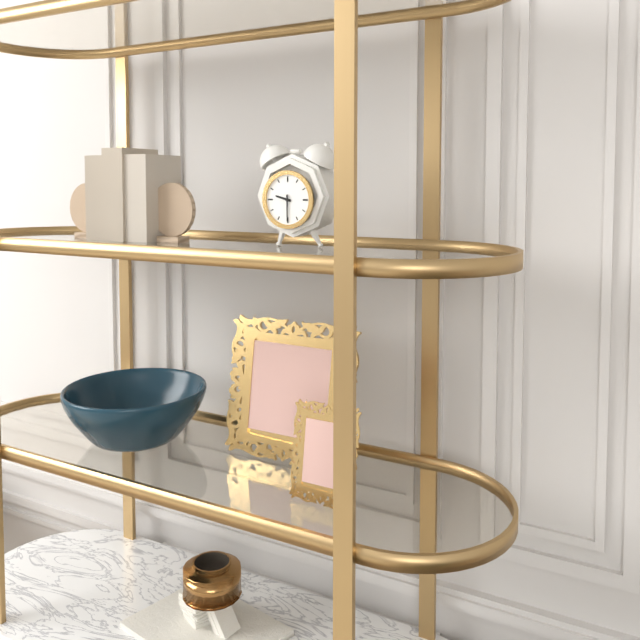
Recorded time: 9:30
